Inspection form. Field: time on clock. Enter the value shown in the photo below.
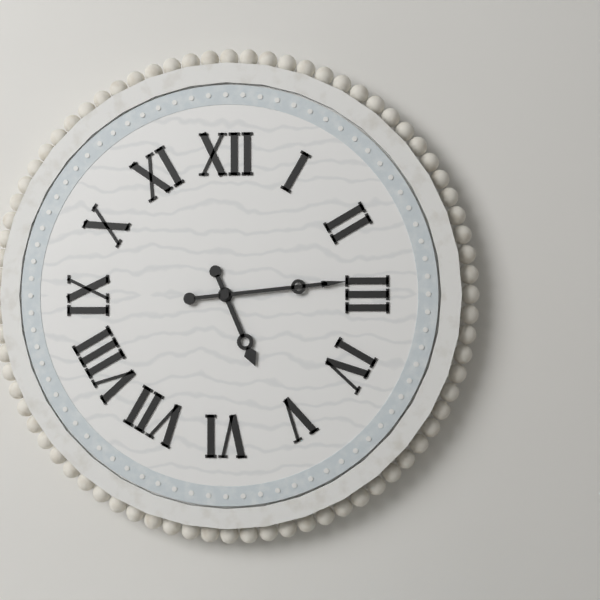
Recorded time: 5:14
